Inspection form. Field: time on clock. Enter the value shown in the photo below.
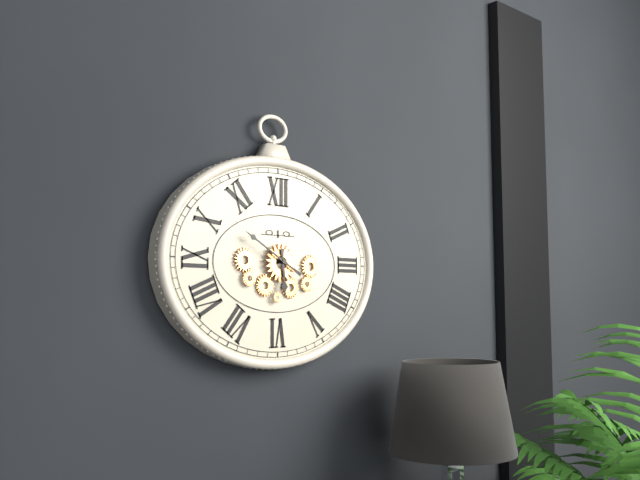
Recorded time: 5:50
